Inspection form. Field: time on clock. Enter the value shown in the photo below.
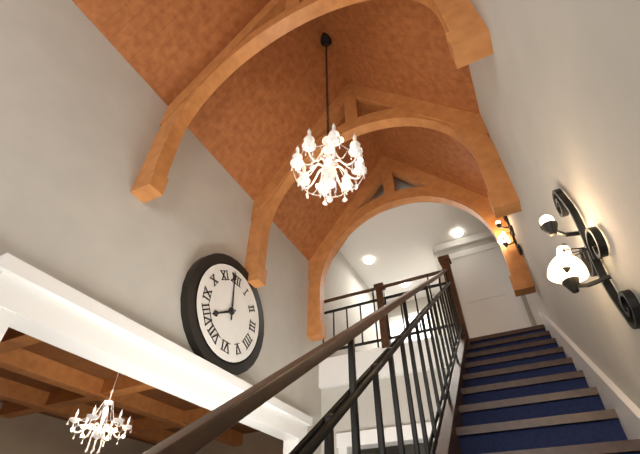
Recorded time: 7:59
